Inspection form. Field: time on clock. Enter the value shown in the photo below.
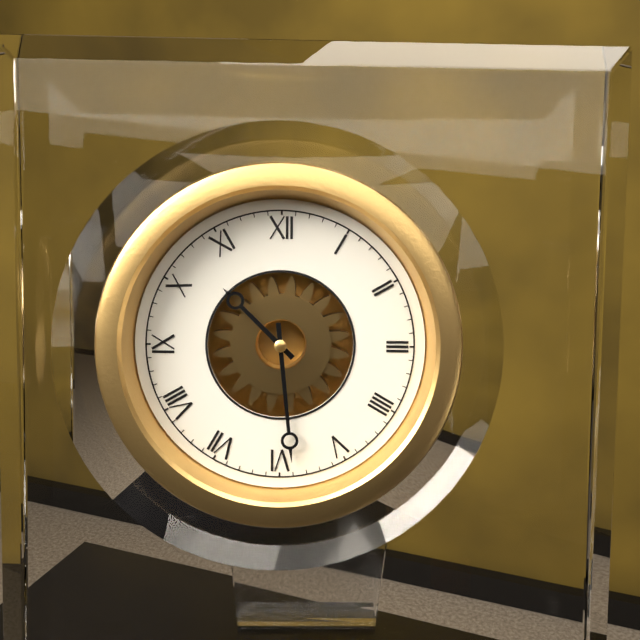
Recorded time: 10:29
